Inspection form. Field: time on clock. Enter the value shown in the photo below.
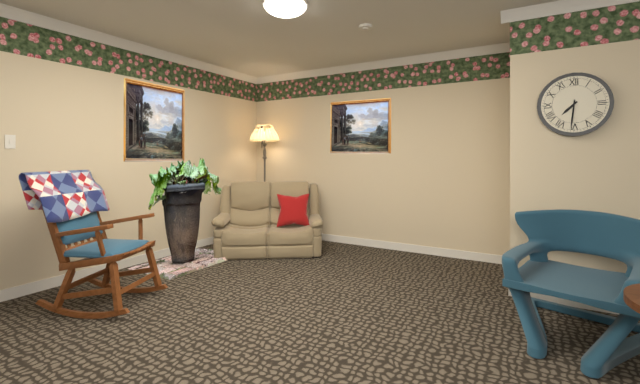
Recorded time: 7:31
